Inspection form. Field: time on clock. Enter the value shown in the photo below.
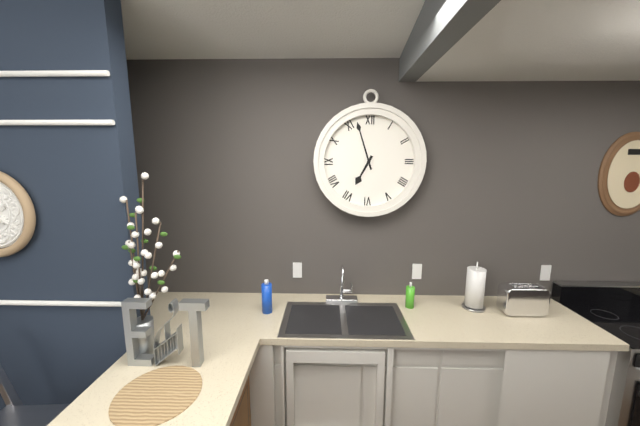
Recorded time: 6:57
